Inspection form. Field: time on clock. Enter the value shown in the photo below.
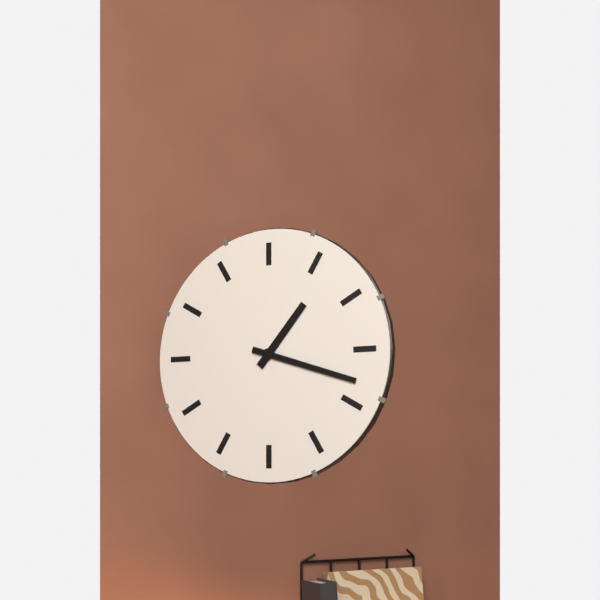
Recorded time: 1:18
